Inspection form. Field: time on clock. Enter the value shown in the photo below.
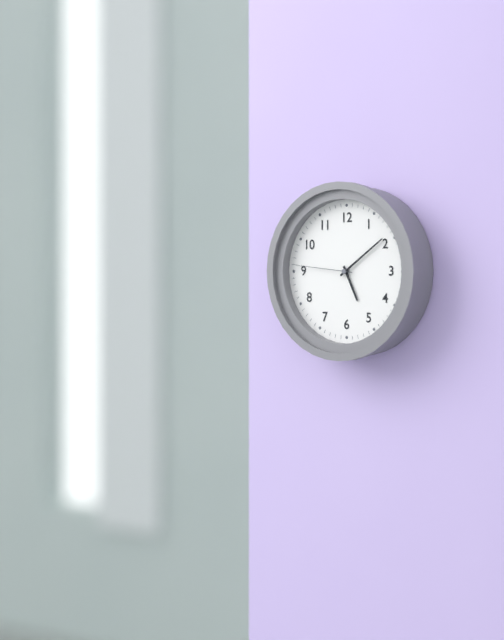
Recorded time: 5:09:46
